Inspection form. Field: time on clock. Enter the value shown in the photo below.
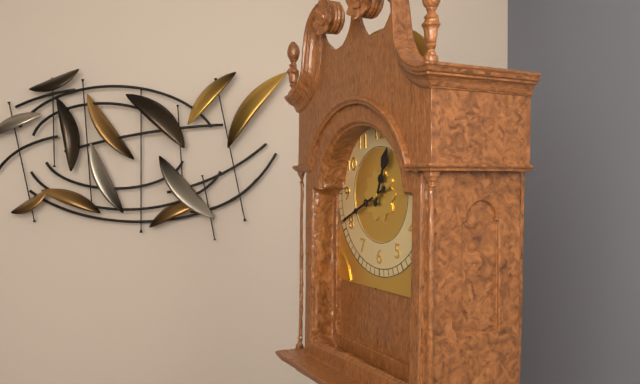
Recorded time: 12:41
